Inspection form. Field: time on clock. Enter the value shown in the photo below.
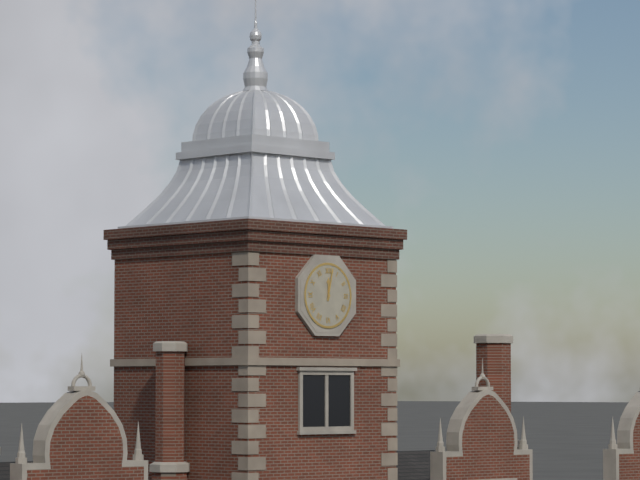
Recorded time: 12:02
